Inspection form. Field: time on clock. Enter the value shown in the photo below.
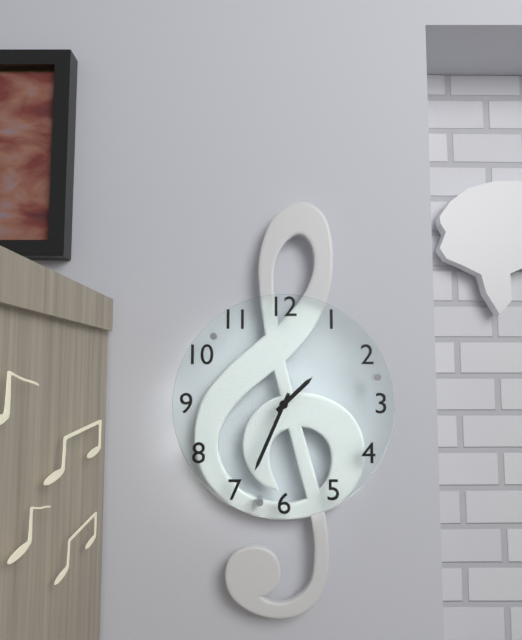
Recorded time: 1:34
